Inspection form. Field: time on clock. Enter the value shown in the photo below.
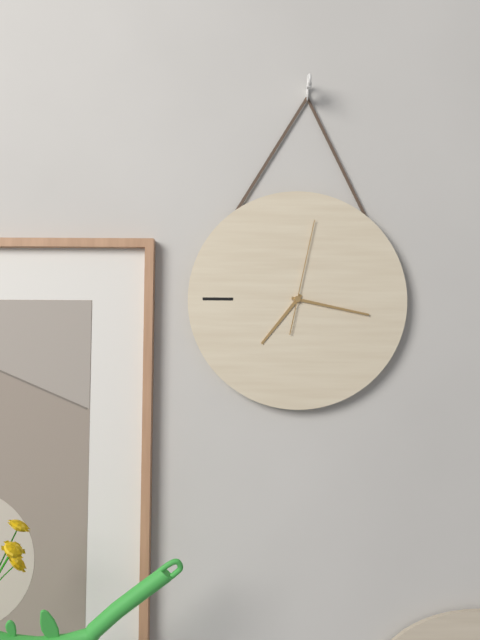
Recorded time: 7:17:02
